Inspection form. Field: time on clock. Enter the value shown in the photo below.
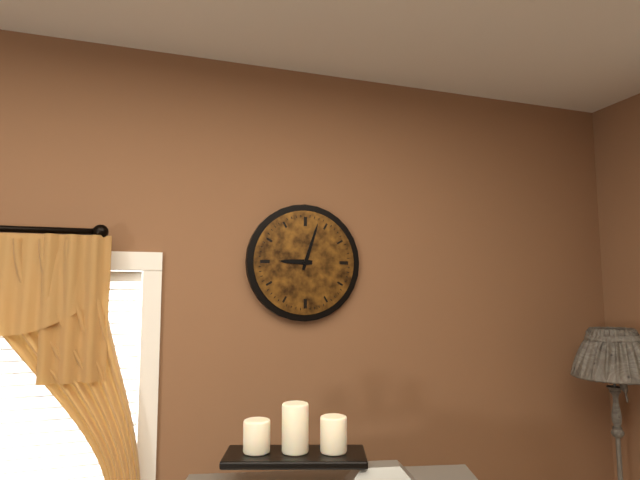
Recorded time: 9:03
